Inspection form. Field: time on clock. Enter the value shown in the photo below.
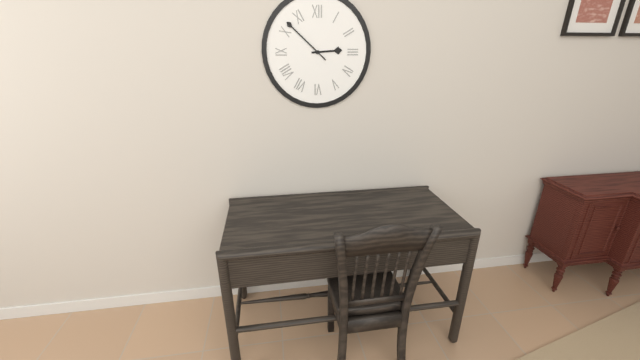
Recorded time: 2:52
